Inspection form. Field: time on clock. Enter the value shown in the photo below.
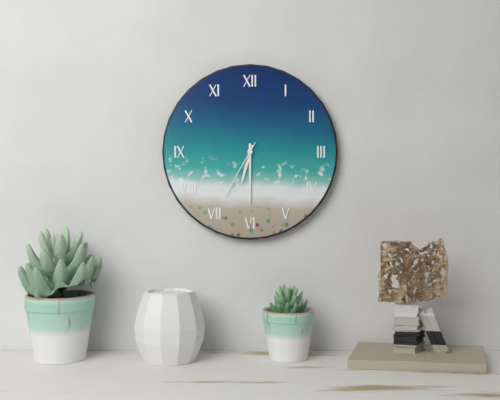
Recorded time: 6:30:35
